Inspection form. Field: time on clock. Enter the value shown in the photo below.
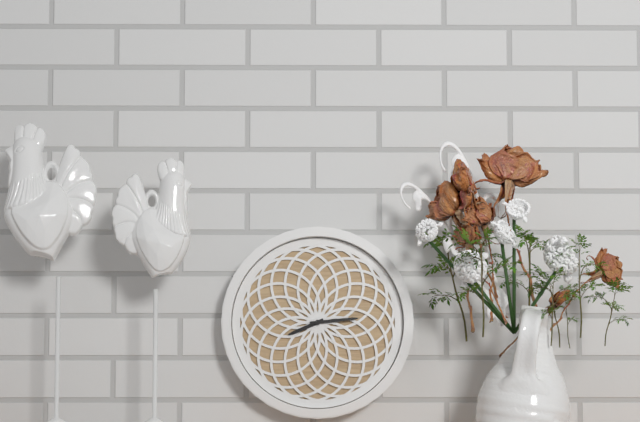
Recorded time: 8:14
